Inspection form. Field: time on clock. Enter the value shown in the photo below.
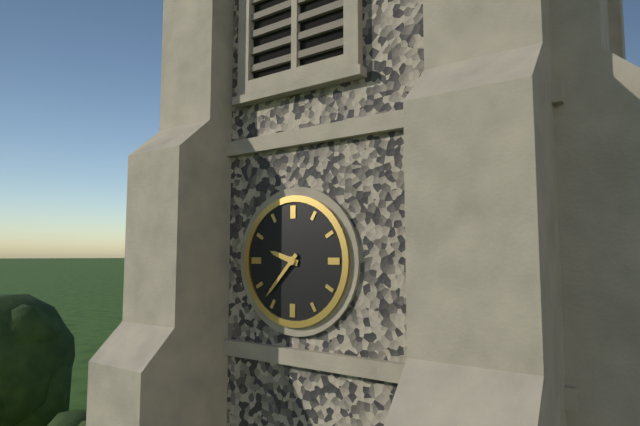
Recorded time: 9:37
